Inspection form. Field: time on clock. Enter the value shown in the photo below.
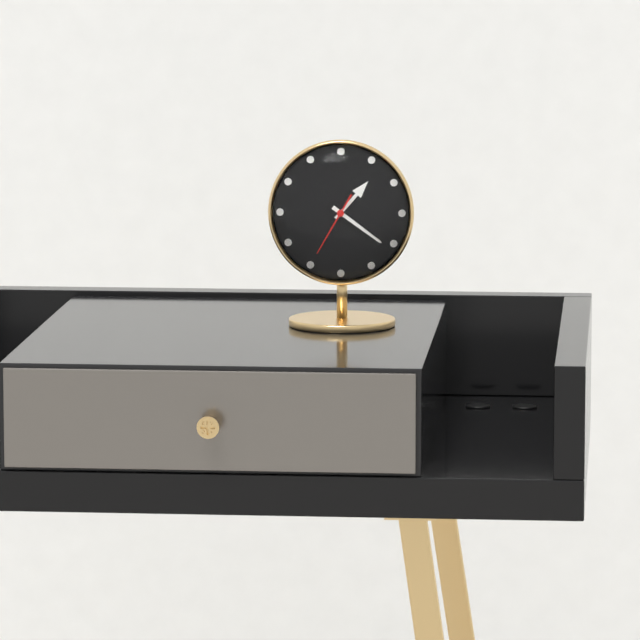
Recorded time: 1:21:35
